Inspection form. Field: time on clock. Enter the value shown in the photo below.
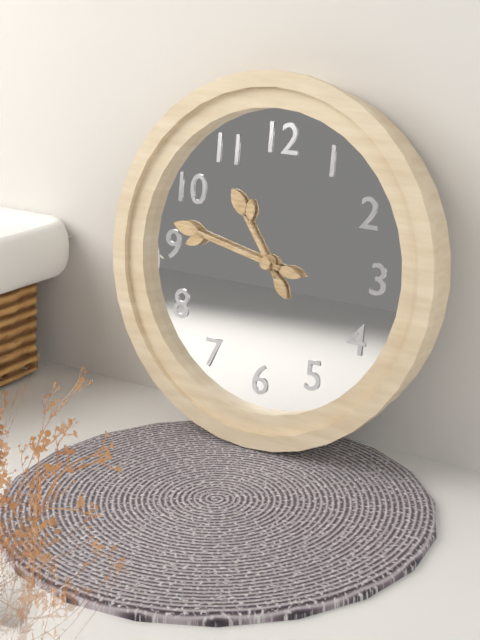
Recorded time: 10:47
